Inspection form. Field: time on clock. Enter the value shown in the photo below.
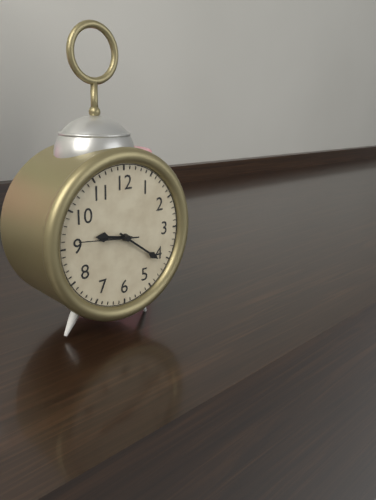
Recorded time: 9:21:46
